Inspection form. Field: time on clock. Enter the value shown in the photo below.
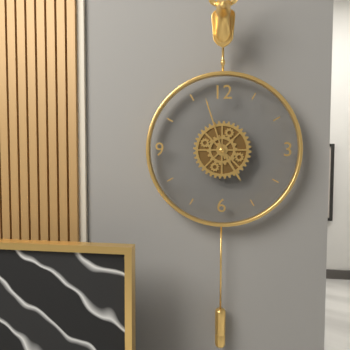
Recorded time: 4:57
